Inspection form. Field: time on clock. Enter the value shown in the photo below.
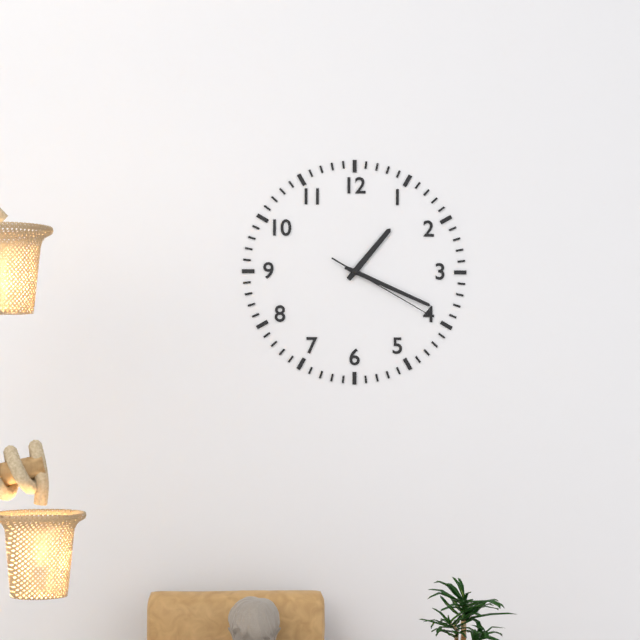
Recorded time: 1:19:20
